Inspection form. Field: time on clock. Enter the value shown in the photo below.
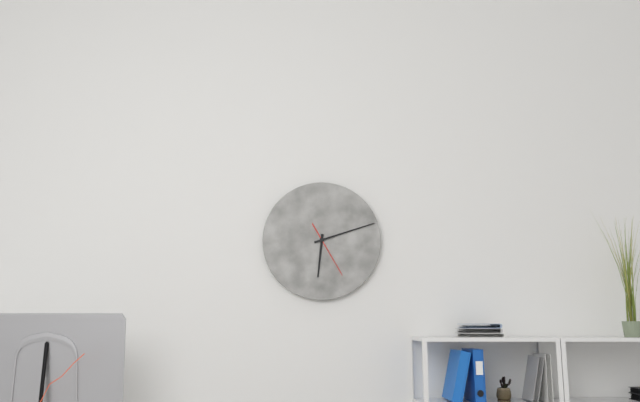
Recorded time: 6:12:25
